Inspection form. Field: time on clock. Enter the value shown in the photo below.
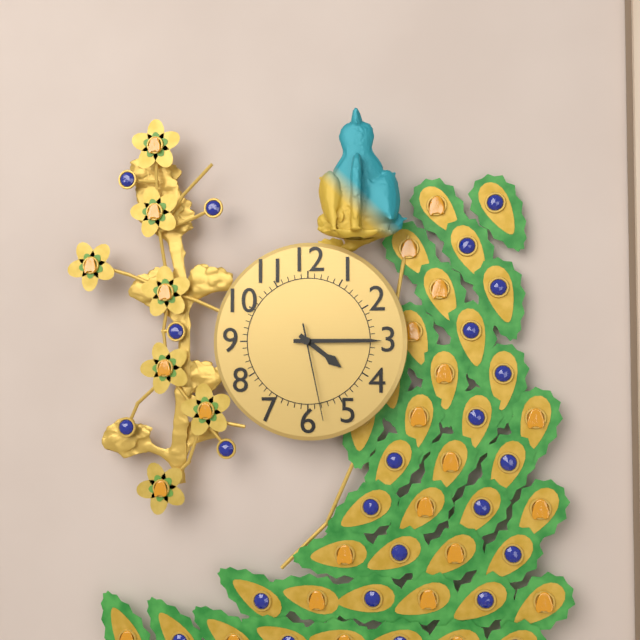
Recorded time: 4:15:28
